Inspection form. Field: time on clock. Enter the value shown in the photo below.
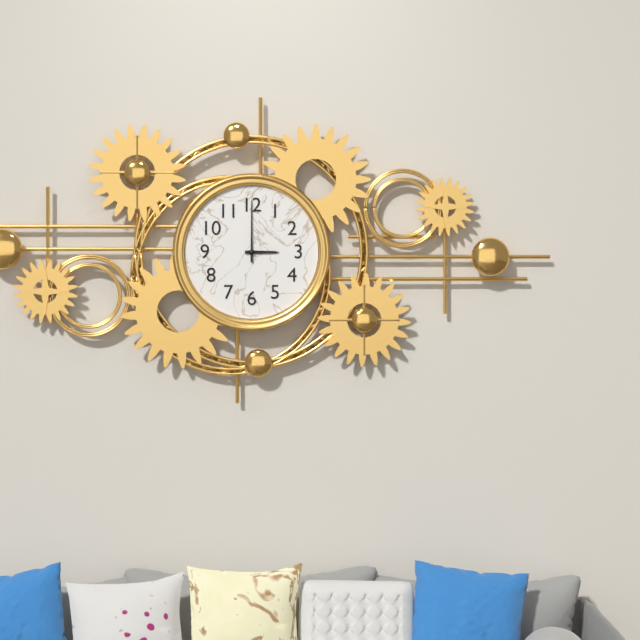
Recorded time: 3:00
